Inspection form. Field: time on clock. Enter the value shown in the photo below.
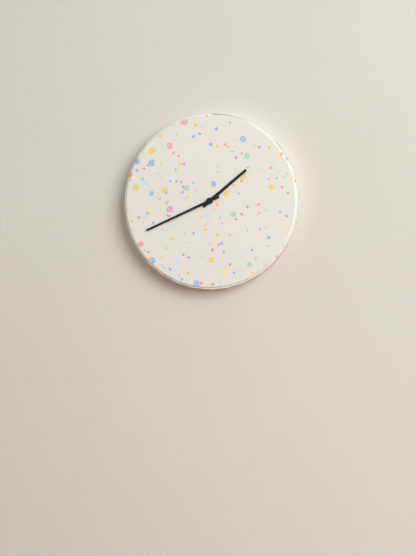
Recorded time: 1:41
